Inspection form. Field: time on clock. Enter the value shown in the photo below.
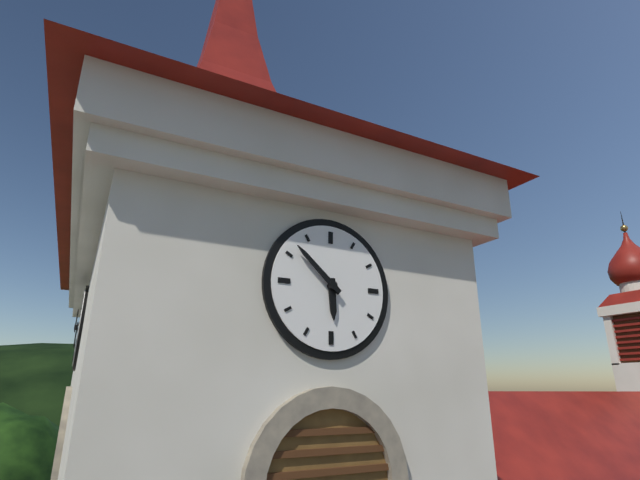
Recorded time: 5:52
